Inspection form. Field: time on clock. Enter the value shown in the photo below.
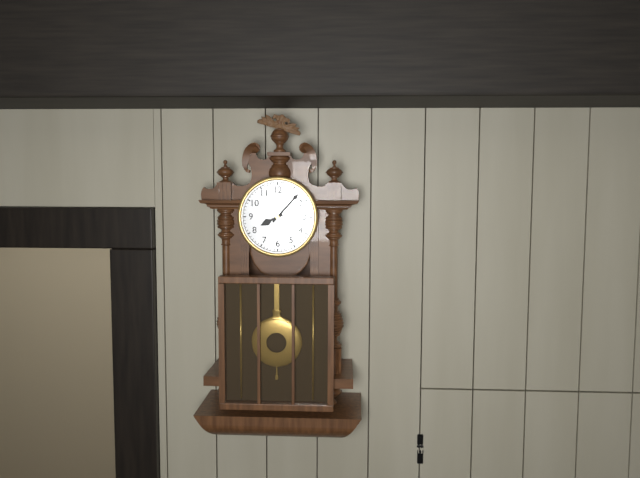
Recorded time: 8:07
